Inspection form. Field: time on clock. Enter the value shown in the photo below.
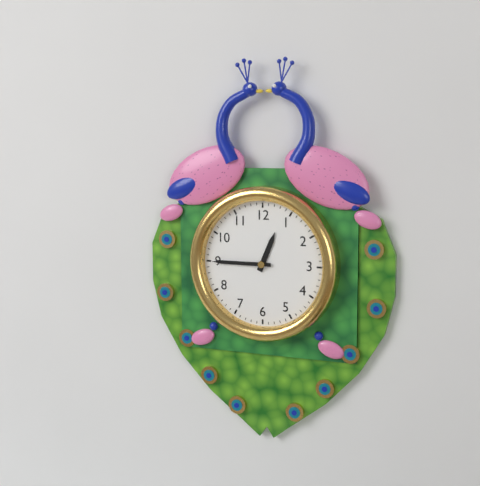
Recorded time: 12:45
